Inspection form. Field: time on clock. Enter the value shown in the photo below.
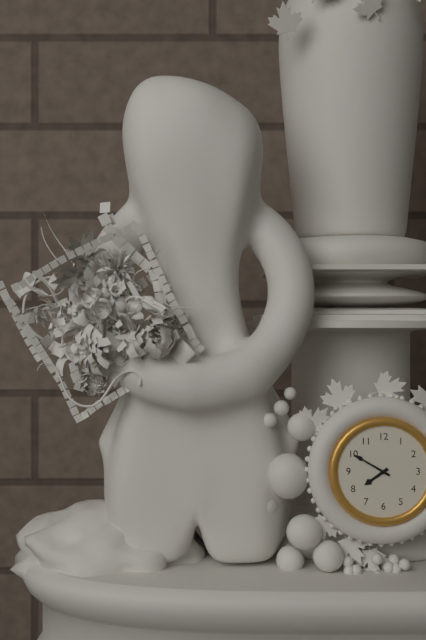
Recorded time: 7:50
